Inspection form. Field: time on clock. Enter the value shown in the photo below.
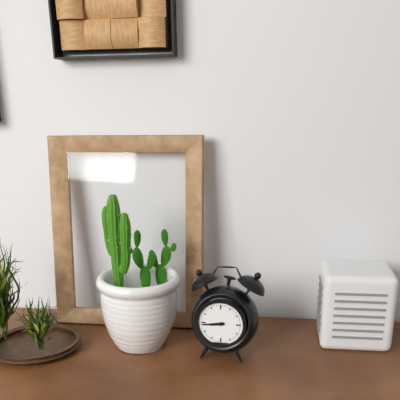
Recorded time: 8:44
